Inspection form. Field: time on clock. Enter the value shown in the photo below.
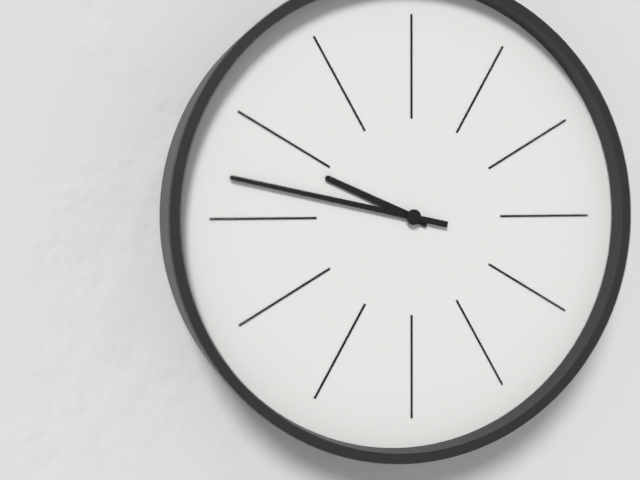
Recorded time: 9:47
